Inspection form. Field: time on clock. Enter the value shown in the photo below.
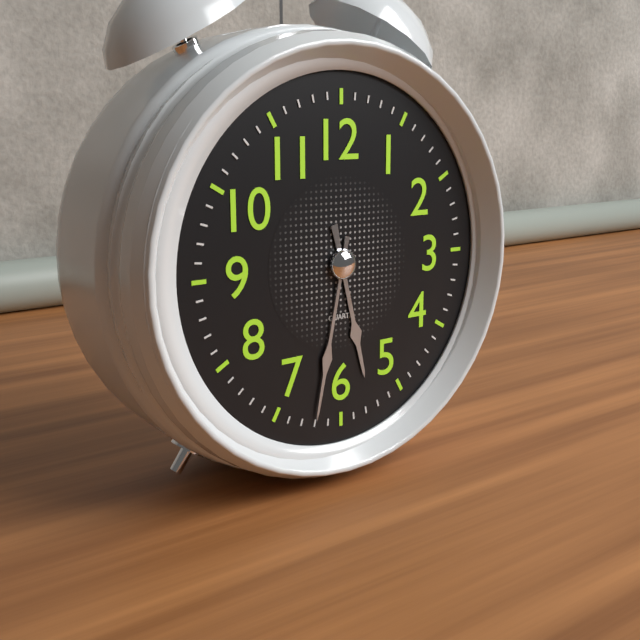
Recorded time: 5:32
